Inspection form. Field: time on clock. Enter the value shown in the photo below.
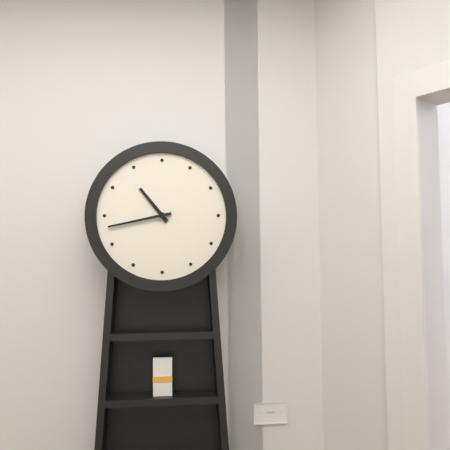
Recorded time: 10:43
